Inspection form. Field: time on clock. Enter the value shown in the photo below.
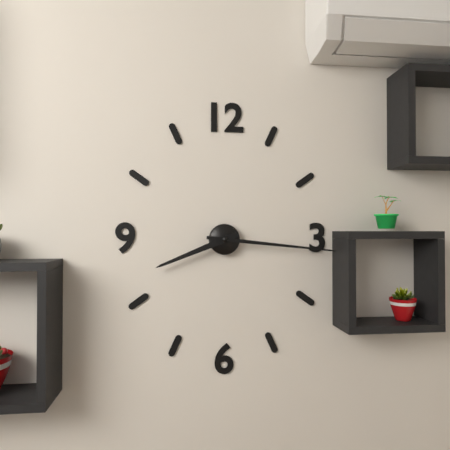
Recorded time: 8:16
